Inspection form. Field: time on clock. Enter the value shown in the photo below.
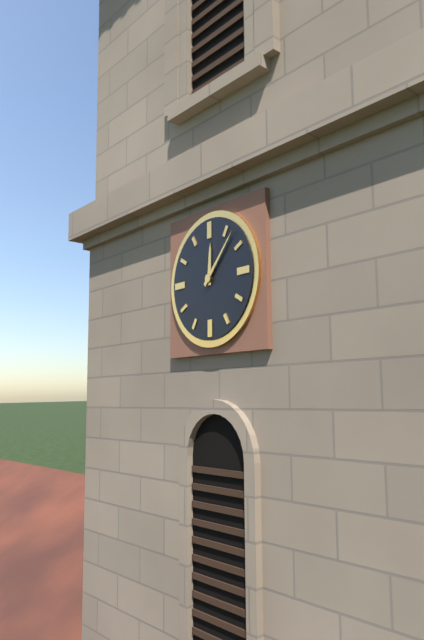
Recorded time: 12:07
